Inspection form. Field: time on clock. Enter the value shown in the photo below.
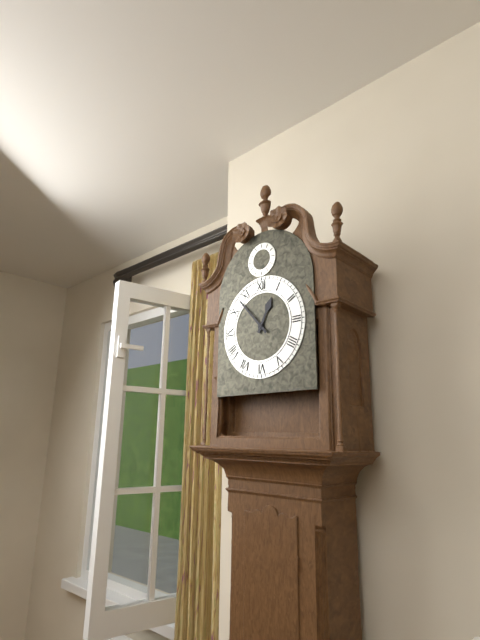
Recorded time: 12:53
